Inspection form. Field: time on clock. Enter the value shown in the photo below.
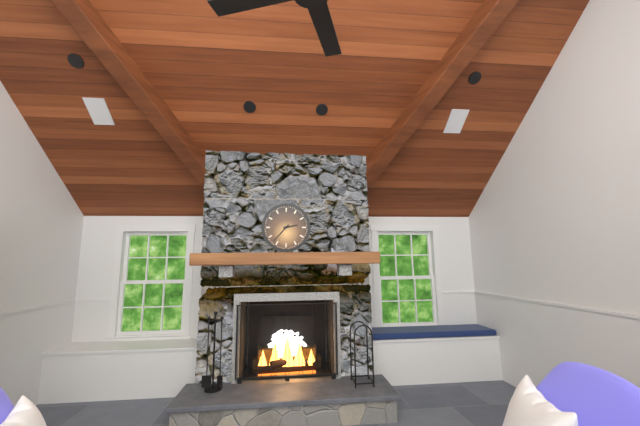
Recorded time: 2:37
